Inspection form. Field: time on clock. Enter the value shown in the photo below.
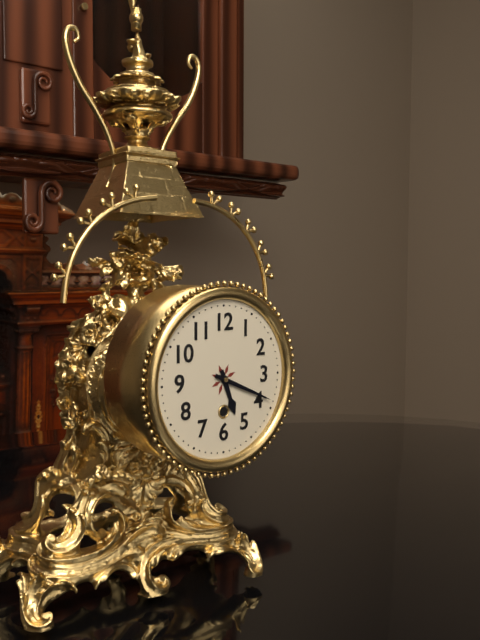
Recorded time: 5:19
